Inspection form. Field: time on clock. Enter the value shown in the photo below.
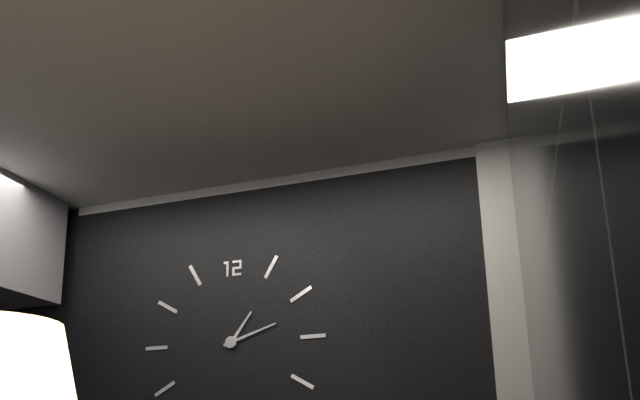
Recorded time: 1:12
